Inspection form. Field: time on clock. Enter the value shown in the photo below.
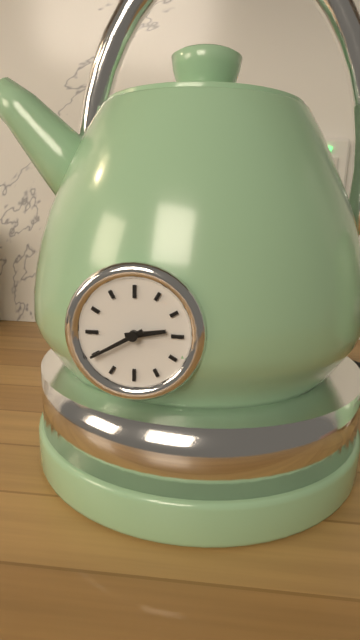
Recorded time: 2:40
